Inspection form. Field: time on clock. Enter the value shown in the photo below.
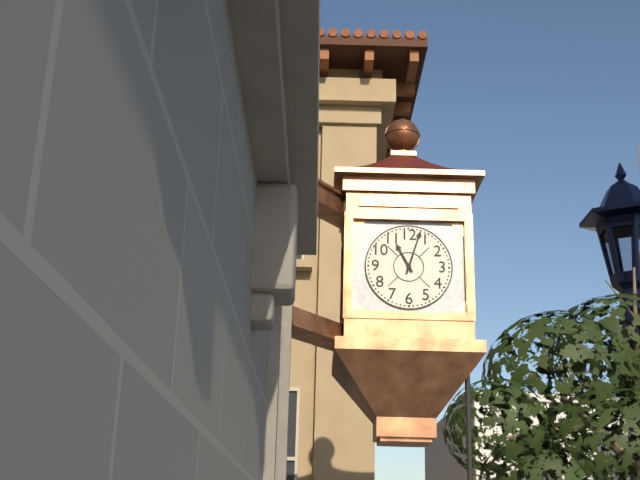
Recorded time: 11:03
